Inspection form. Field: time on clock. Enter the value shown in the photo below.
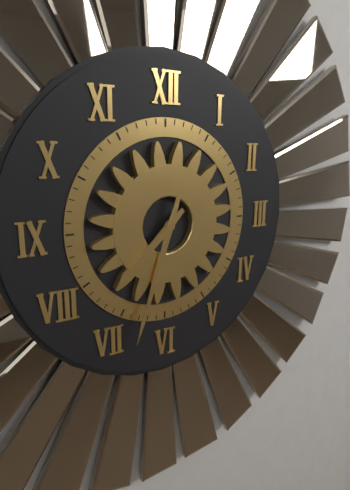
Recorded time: 7:33
